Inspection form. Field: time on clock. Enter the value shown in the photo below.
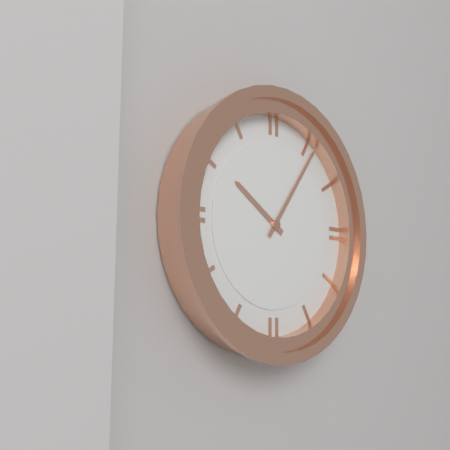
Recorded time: 10:06
